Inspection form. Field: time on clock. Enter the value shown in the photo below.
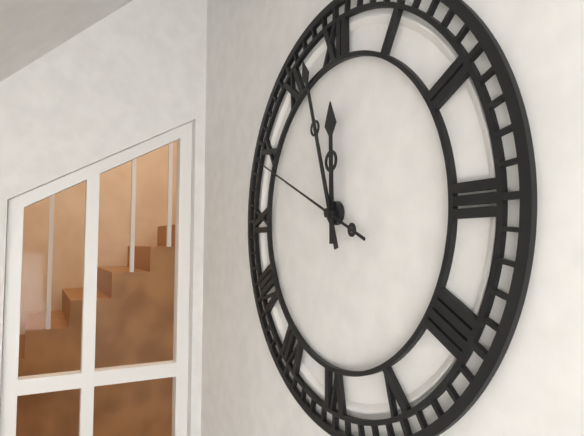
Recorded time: 11:57:49
